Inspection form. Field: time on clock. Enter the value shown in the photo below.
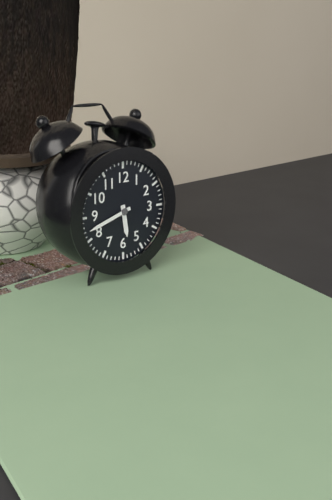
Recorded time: 5:42
